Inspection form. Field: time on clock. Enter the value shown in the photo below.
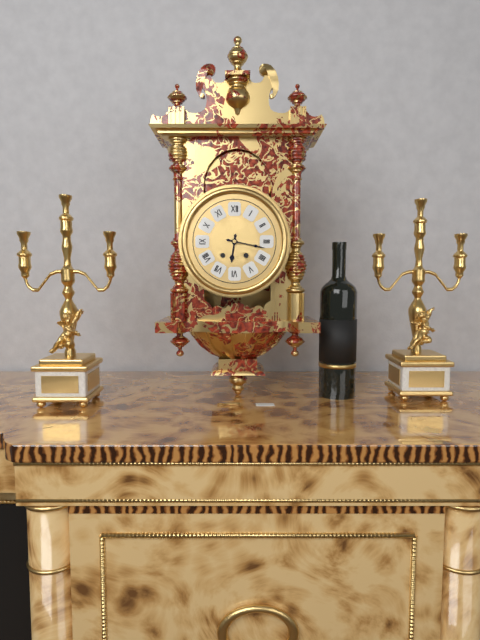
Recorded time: 6:17
